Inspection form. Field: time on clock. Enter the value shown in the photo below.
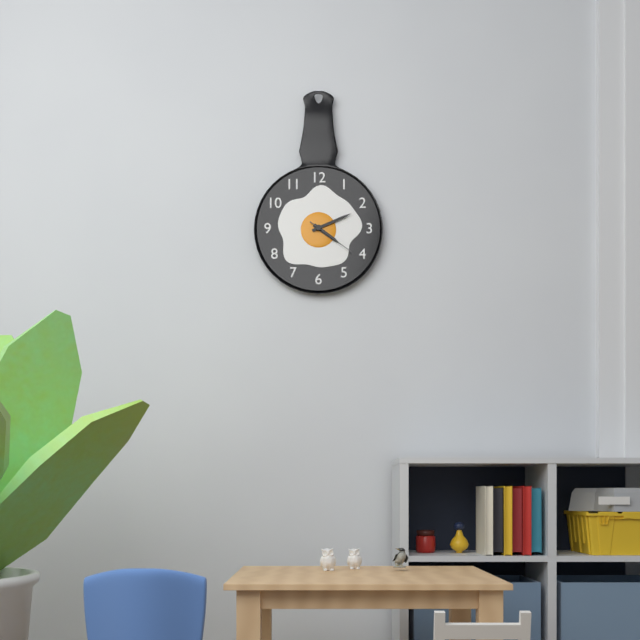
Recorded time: 4:11:21
